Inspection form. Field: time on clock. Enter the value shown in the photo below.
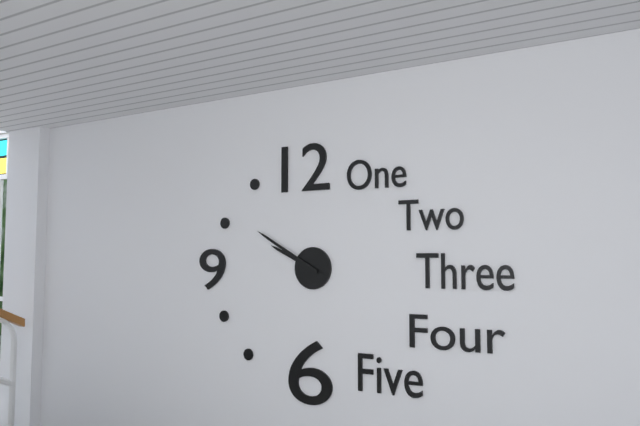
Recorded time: 9:50
